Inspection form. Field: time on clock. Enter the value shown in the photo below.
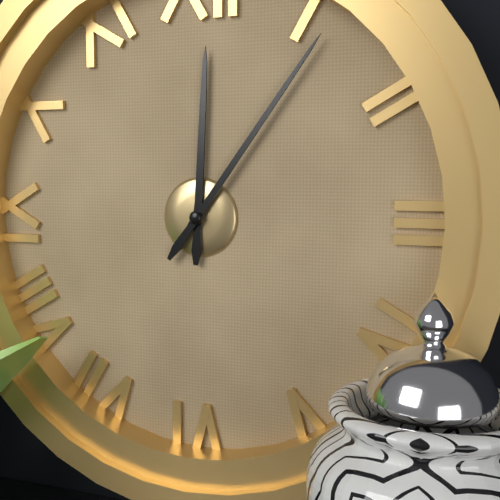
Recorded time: 12:06
